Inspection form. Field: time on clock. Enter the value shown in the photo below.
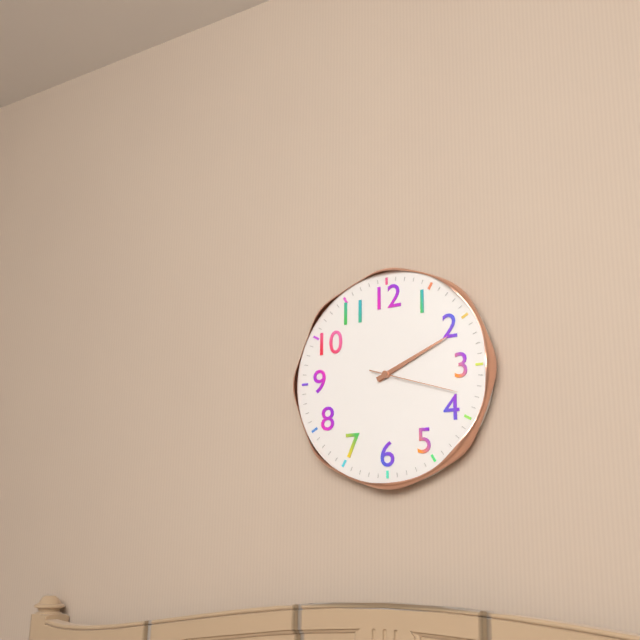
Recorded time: 2:11:18
